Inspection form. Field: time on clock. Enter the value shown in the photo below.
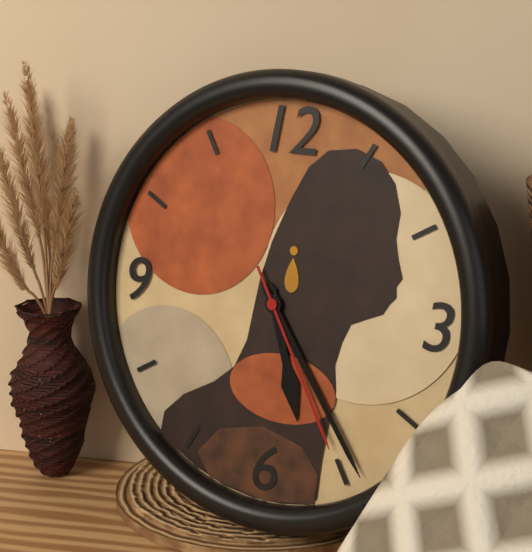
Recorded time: 5:24:25
